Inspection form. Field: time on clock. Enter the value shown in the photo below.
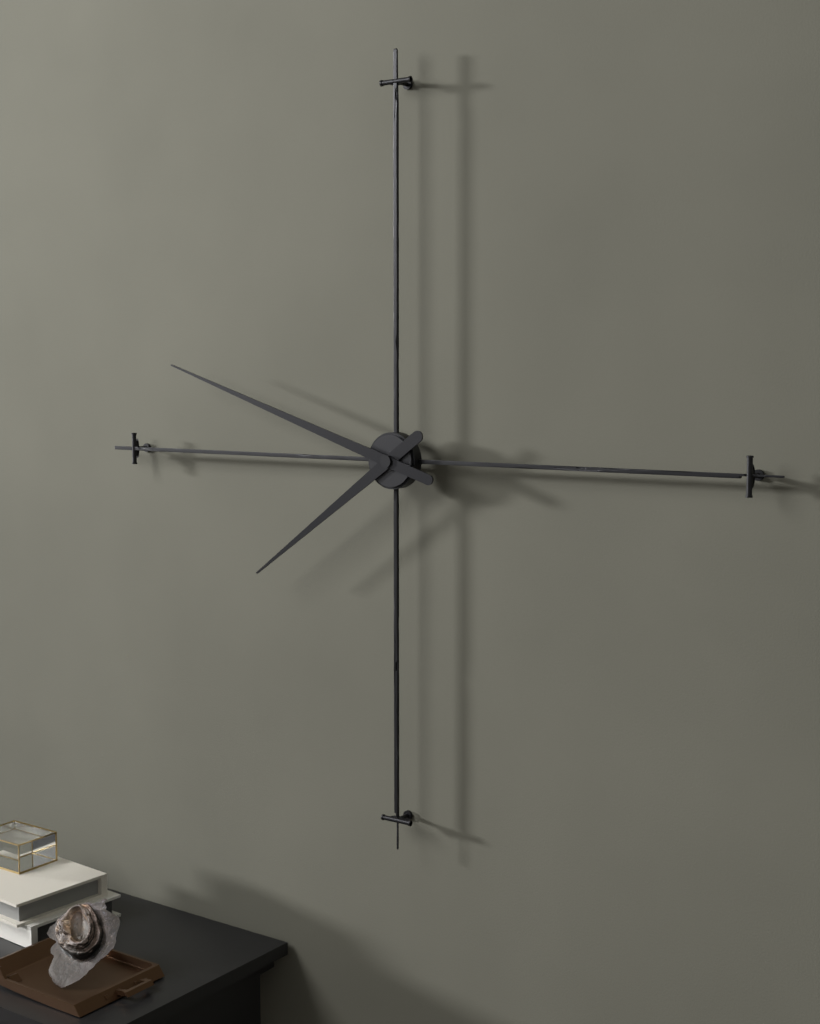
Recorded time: 7:48
